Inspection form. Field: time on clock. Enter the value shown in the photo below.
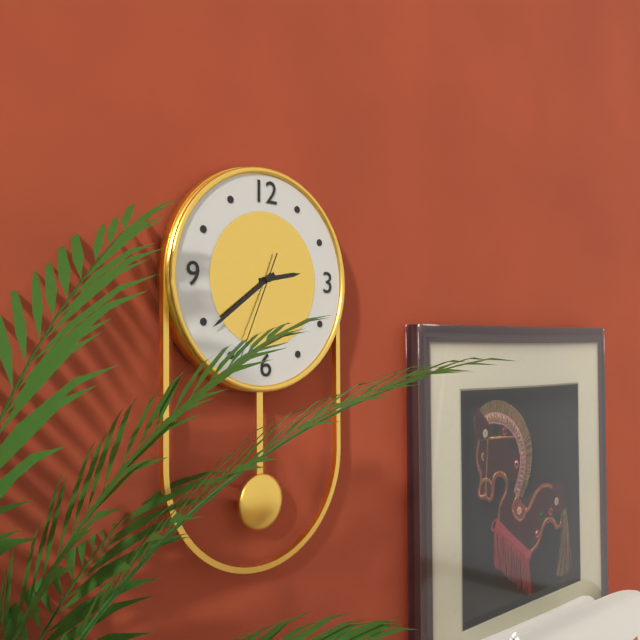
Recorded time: 2:39:34
